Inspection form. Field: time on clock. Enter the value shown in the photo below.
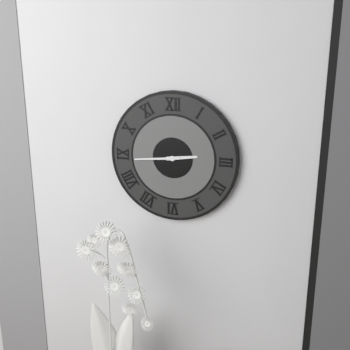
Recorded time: 2:44
